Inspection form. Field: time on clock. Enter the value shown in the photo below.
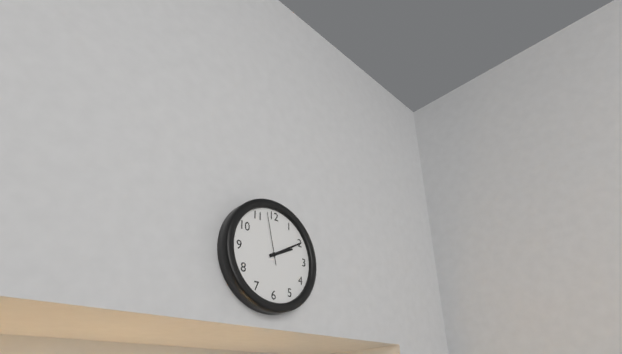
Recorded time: 2:10:58
